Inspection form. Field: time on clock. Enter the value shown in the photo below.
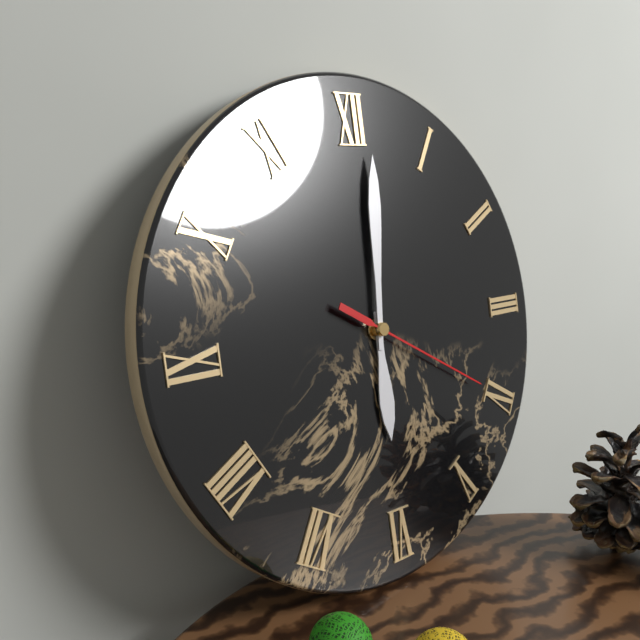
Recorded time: 6:01:20
